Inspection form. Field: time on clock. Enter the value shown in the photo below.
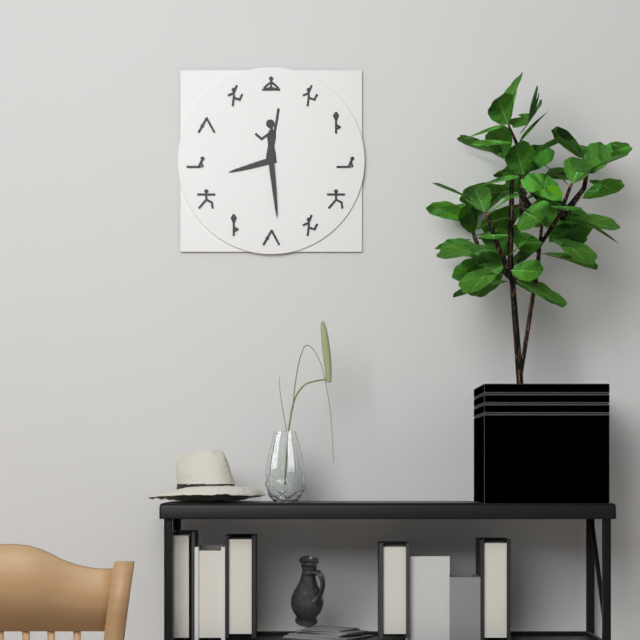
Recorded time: 8:29
